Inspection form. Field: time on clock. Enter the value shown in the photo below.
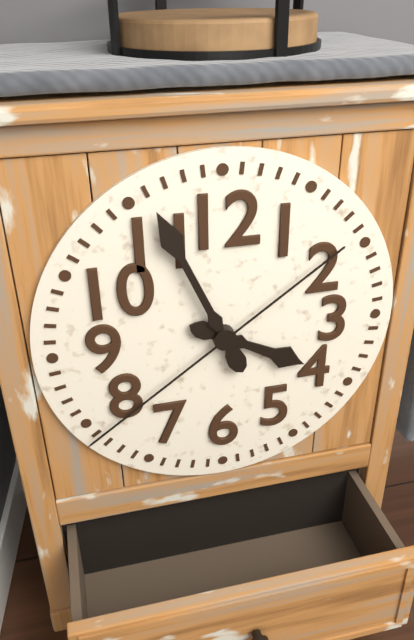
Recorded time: 3:56:39
